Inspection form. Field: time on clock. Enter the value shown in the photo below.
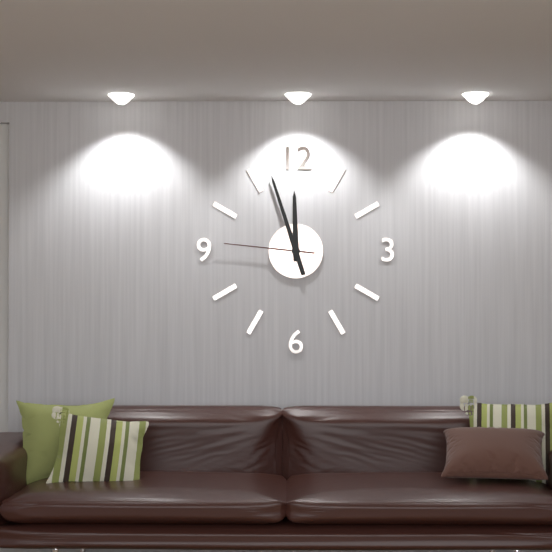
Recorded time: 11:57:46
